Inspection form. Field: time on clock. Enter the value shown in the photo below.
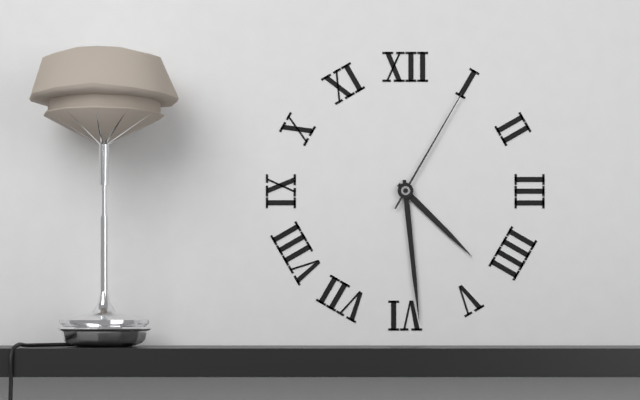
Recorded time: 4:29:05
